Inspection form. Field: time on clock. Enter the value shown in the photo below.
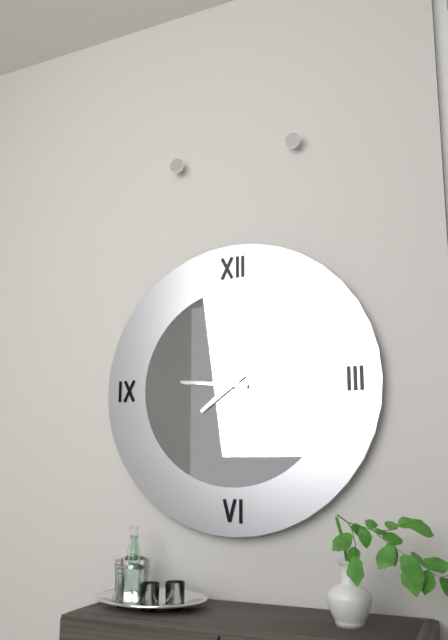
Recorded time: 7:46
